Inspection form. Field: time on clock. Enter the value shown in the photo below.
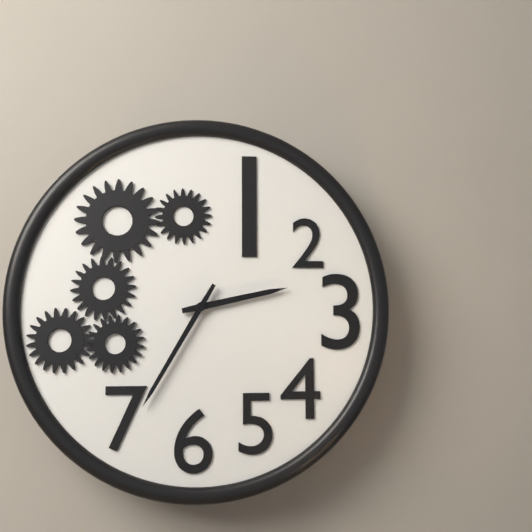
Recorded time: 2:35
